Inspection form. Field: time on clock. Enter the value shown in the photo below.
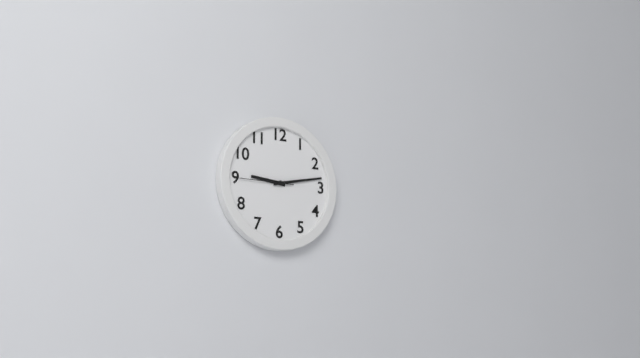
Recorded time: 9:13:45
